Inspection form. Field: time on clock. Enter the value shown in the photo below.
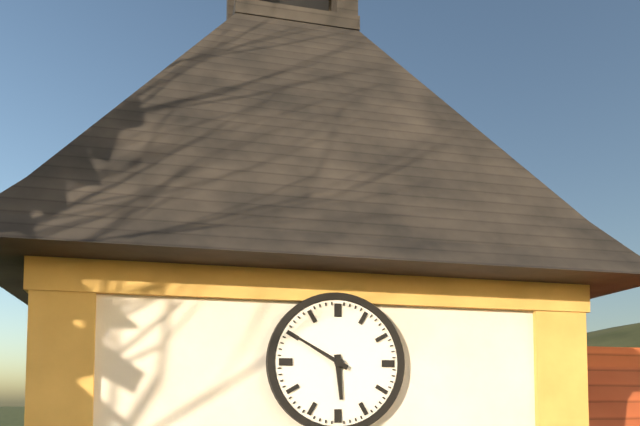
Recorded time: 5:50
